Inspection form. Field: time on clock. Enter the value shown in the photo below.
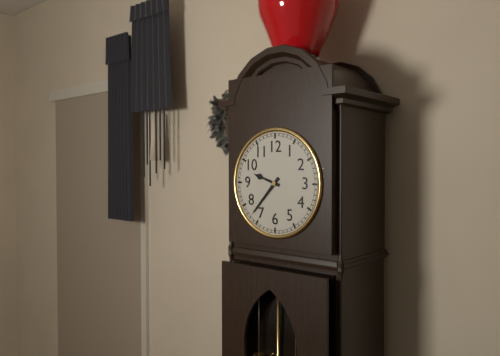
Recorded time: 9:37
